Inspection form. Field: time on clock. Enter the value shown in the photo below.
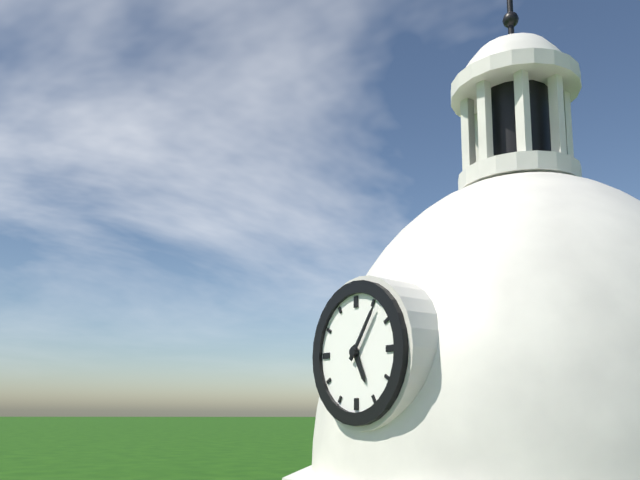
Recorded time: 5:06
